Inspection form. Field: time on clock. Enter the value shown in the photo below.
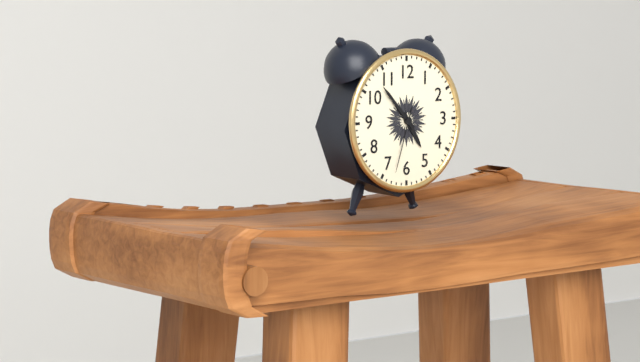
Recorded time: 4:53:33
